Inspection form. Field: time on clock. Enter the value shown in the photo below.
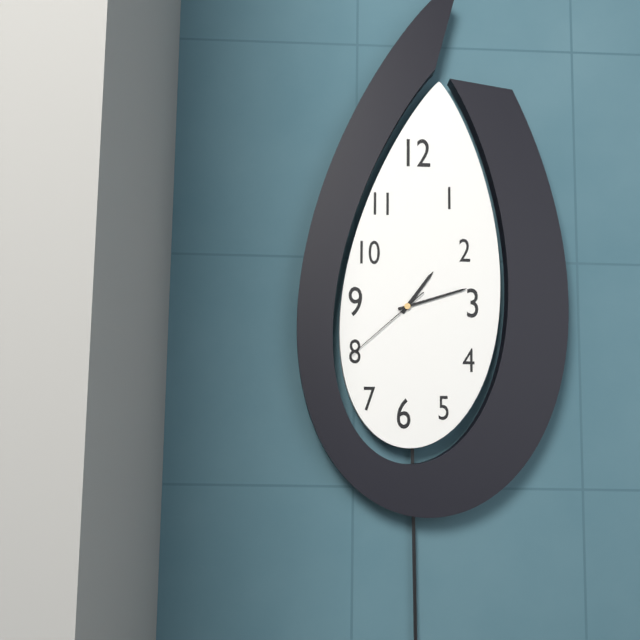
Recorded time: 1:12:38
